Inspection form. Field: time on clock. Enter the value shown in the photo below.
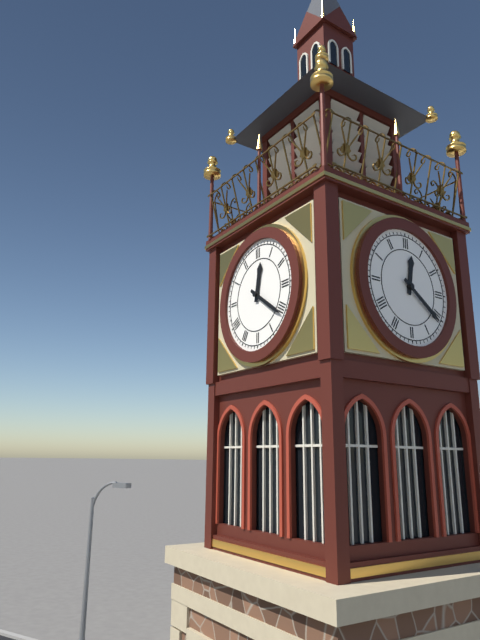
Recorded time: 12:21
